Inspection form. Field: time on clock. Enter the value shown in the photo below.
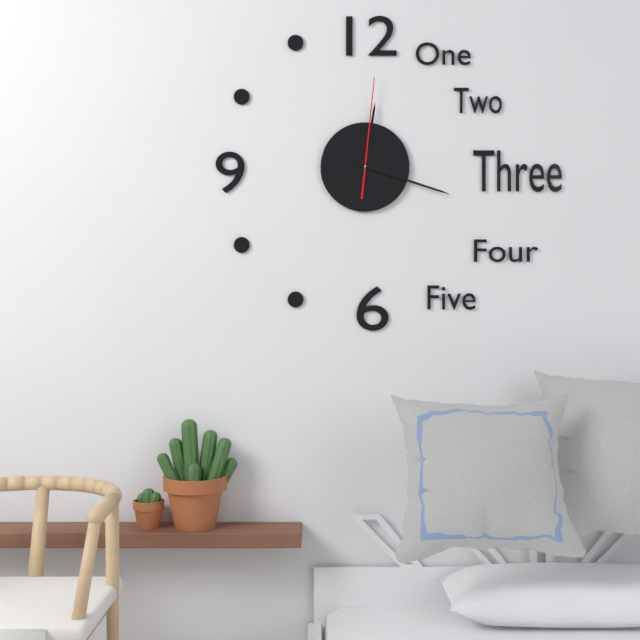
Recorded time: 12:18:01
